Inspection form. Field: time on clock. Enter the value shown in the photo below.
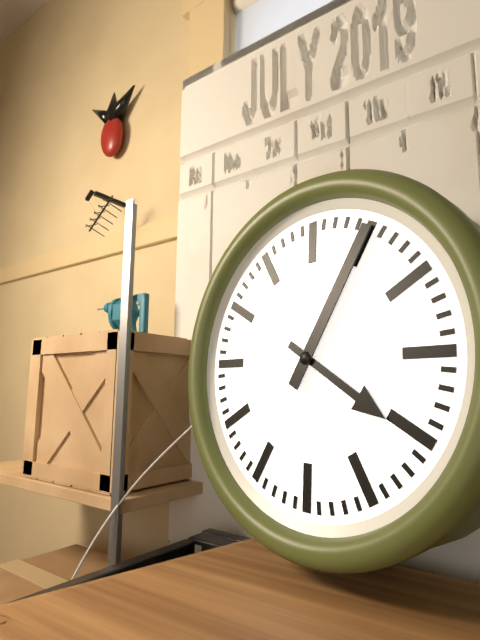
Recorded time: 4:05
